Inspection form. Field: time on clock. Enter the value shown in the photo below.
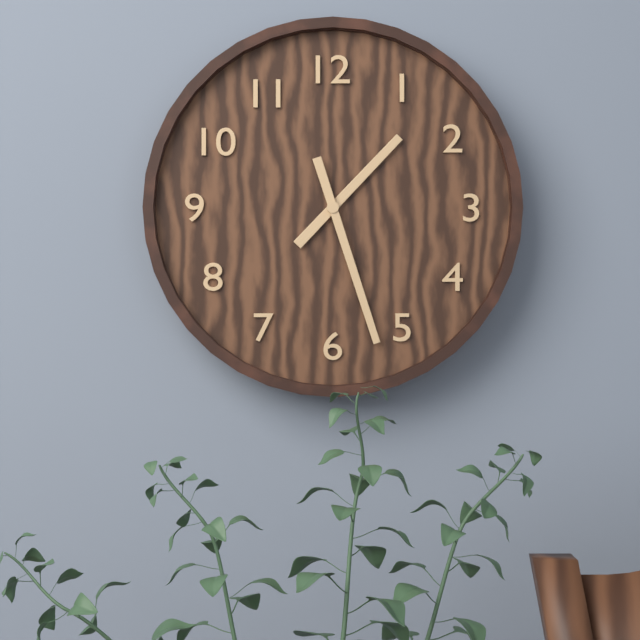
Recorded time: 1:27
